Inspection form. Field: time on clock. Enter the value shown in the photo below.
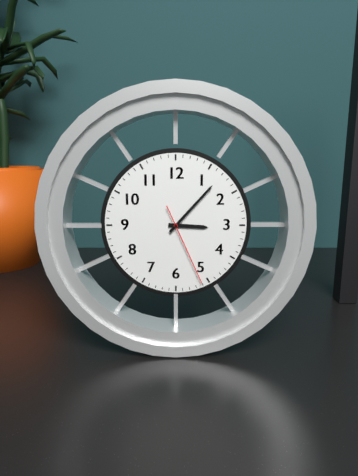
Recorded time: 3:07:26
